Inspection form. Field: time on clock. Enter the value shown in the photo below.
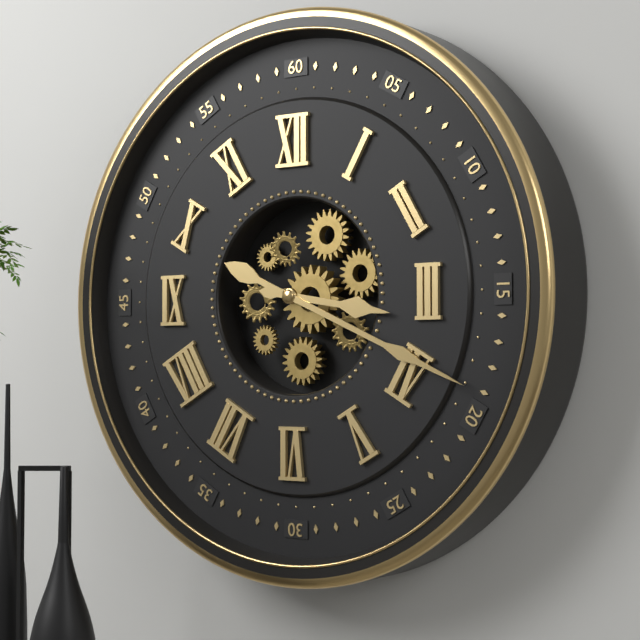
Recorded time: 3:19
